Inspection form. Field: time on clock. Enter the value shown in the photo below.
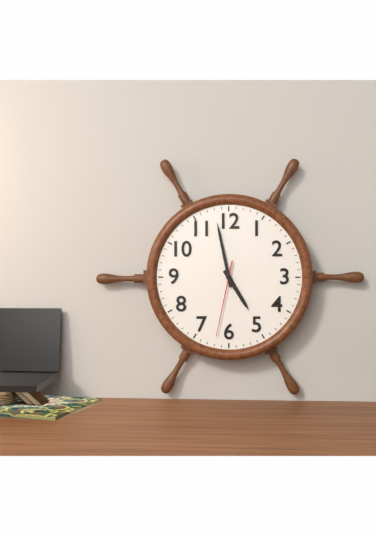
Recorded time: 4:58:32
